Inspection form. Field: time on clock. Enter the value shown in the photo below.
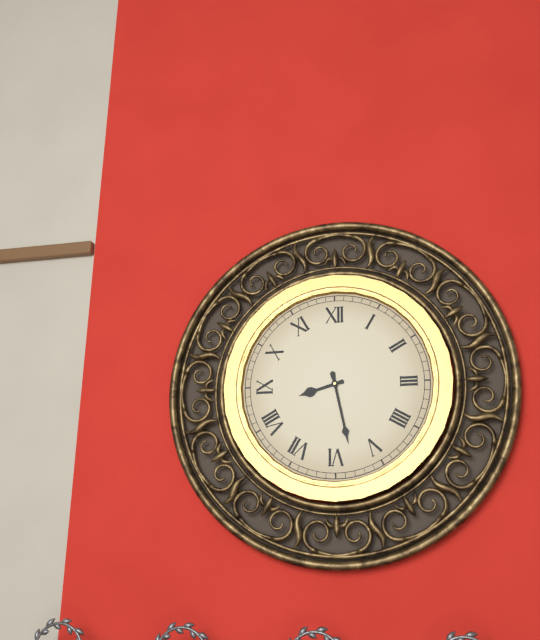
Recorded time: 8:28
